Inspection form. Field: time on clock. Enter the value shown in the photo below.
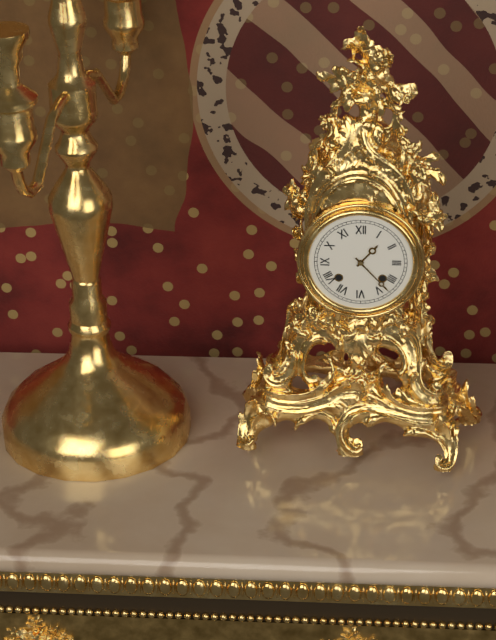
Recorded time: 1:23
